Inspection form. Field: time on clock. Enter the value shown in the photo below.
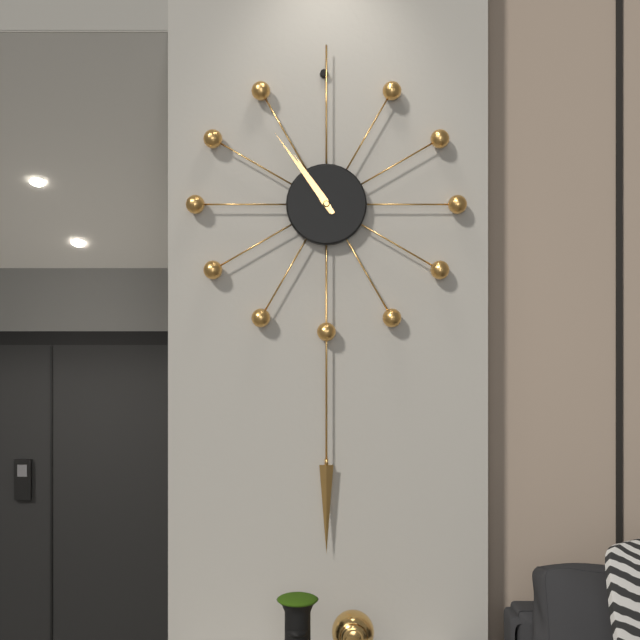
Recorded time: 10:54
